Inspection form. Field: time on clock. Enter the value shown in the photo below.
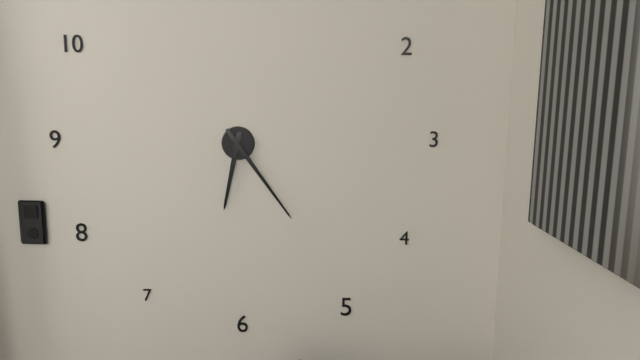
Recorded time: 6:24
